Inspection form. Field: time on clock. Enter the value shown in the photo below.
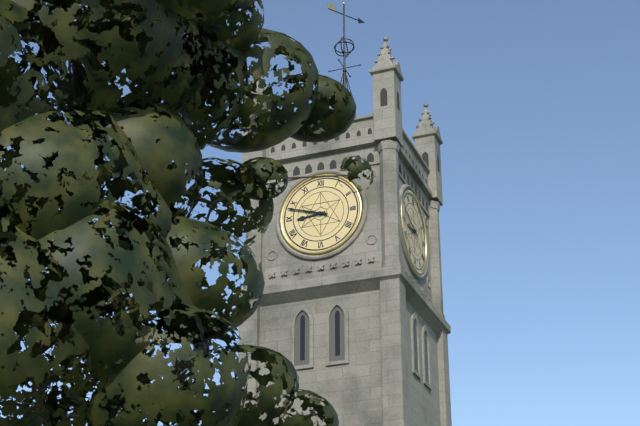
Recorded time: 8:48
